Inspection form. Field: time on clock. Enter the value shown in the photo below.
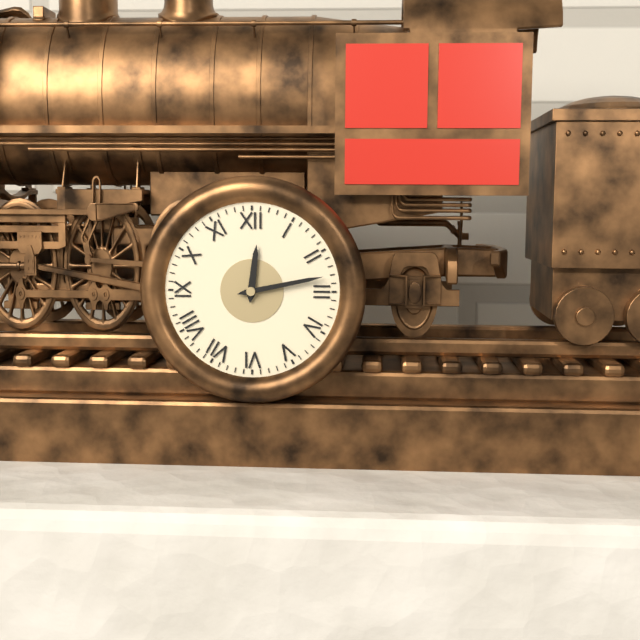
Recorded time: 12:13
